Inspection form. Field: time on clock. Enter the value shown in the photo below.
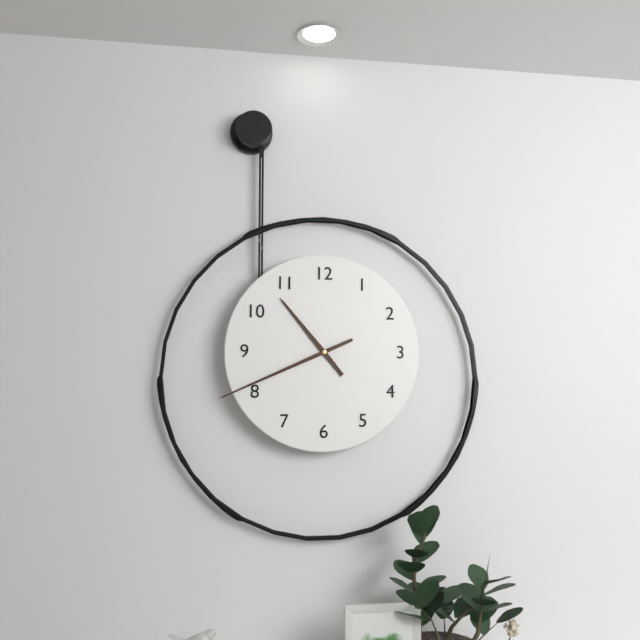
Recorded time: 10:41
